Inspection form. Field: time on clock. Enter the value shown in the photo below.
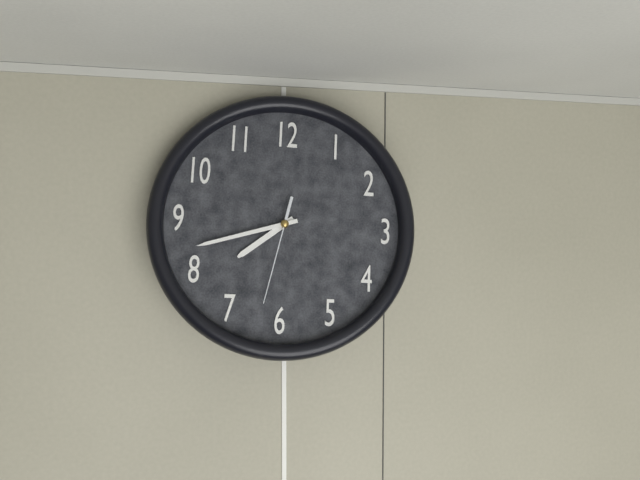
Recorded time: 7:42:32
